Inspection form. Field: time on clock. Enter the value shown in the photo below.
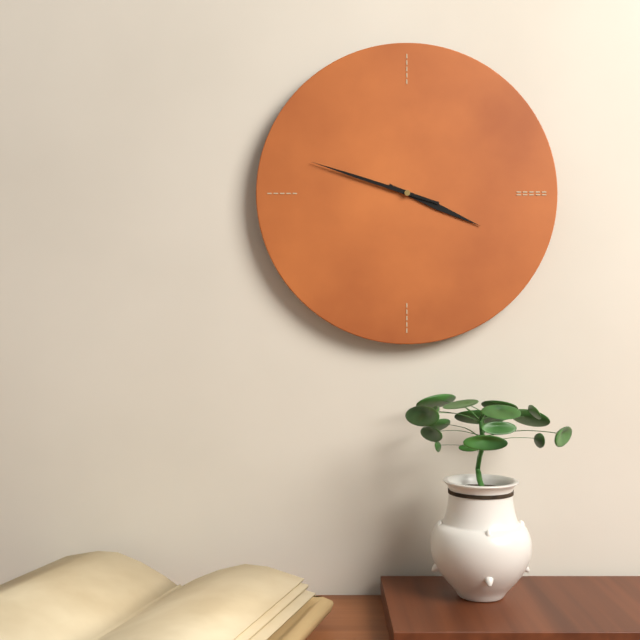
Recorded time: 3:48
